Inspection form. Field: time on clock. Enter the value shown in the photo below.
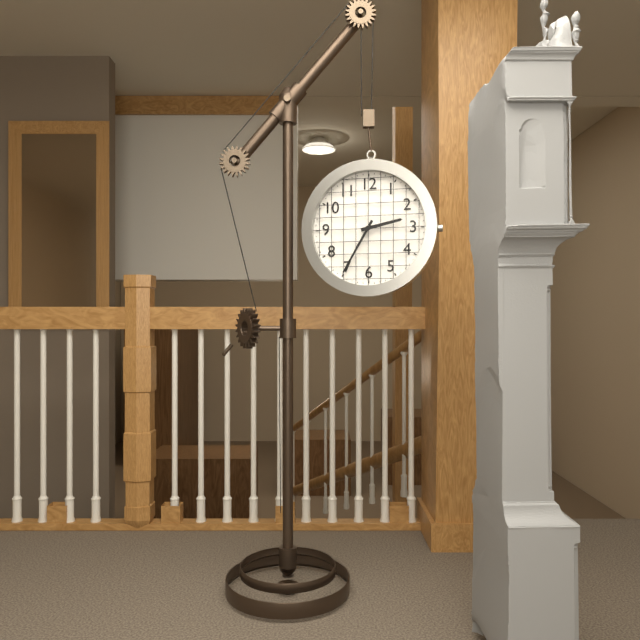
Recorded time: 2:35
